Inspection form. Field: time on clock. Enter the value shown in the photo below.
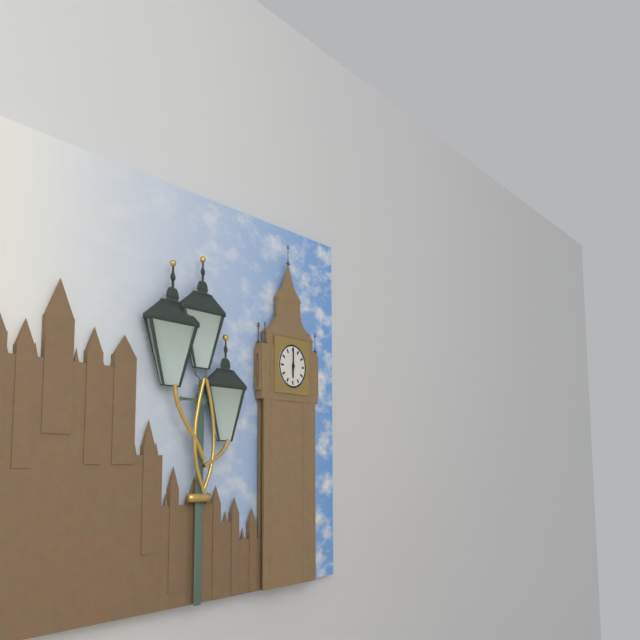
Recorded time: 6:00
